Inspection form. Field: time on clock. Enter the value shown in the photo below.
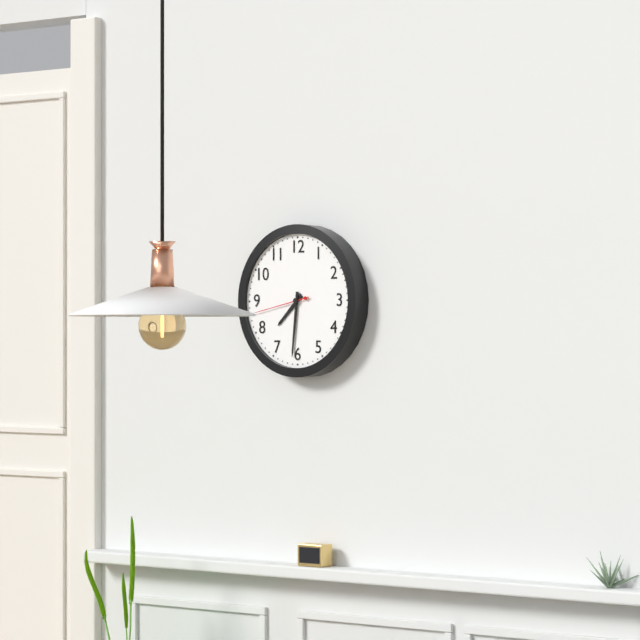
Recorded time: 7:31:43
